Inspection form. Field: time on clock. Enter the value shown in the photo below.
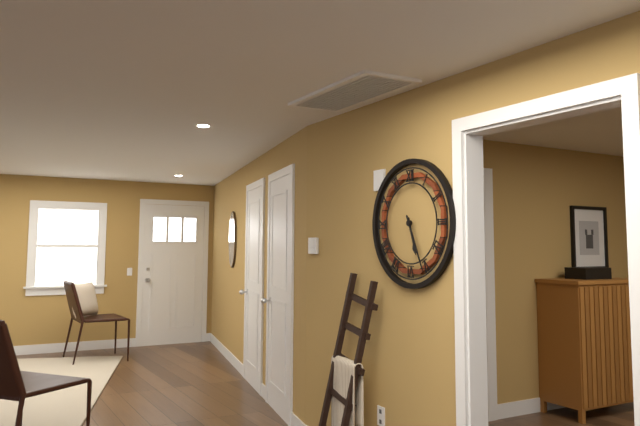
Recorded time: 5:26
